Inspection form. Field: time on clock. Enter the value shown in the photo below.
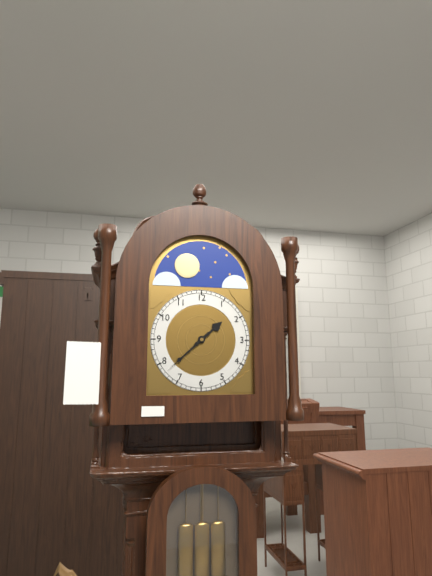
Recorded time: 1:38
